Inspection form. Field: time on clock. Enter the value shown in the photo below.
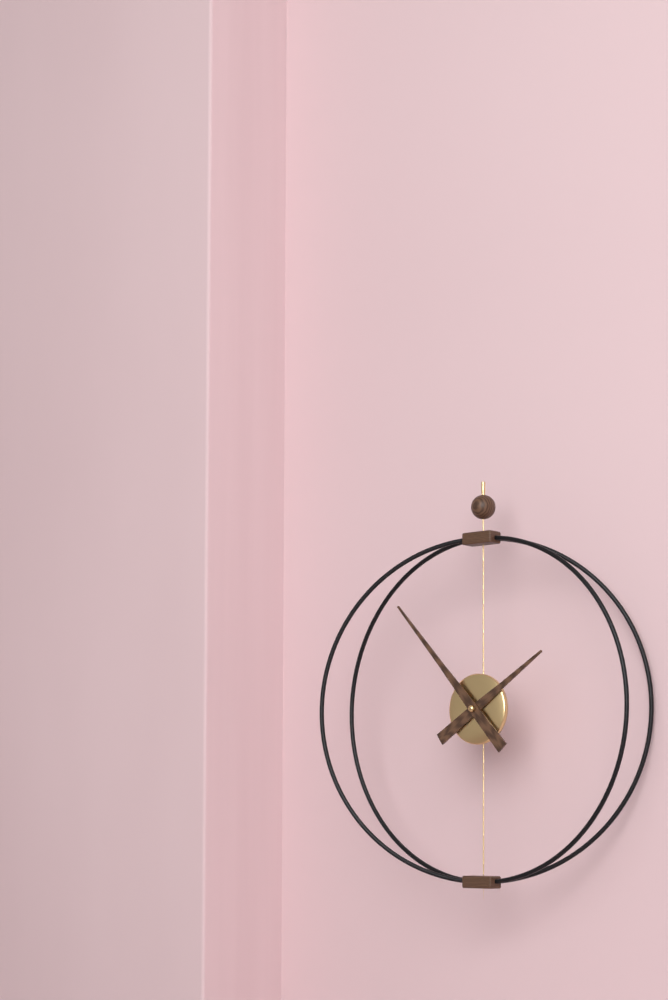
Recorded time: 1:53
